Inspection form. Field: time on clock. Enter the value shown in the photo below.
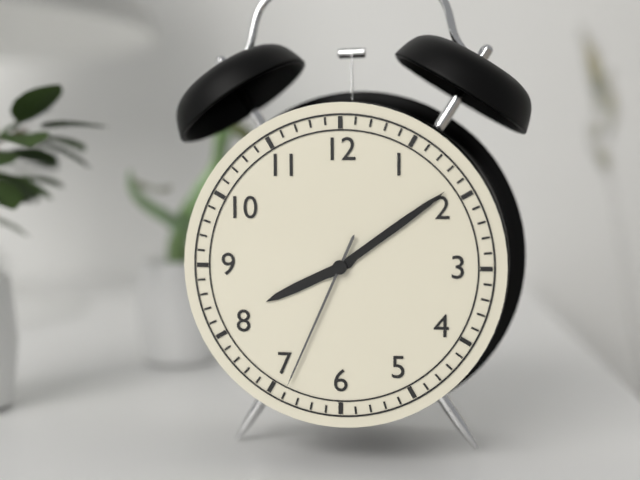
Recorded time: 8:09:34
